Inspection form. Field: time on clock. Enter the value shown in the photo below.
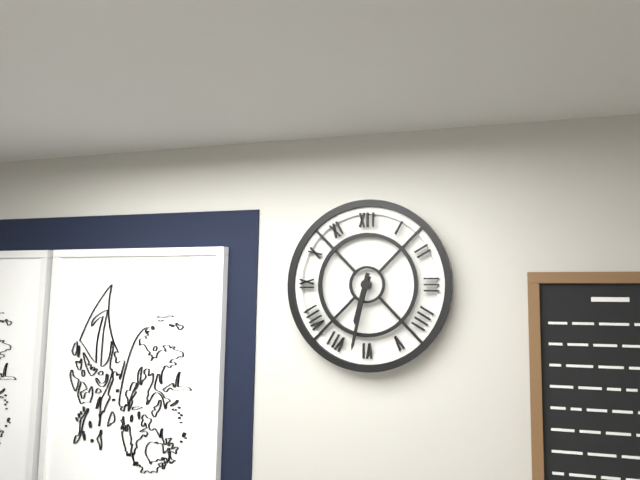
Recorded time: 6:32
